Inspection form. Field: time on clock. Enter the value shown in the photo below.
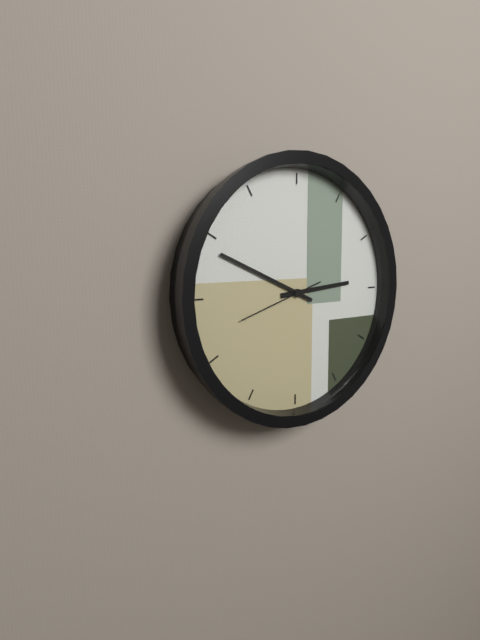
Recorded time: 2:49:42
